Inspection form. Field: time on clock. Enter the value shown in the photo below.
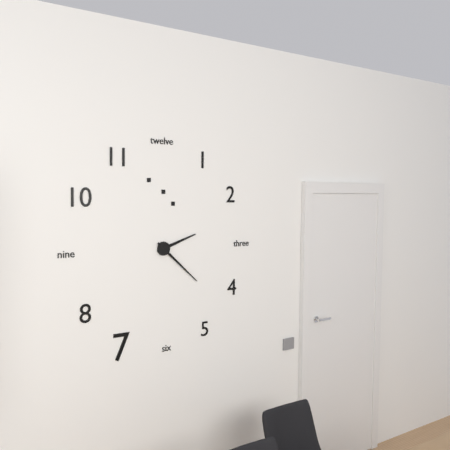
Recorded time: 2:22
